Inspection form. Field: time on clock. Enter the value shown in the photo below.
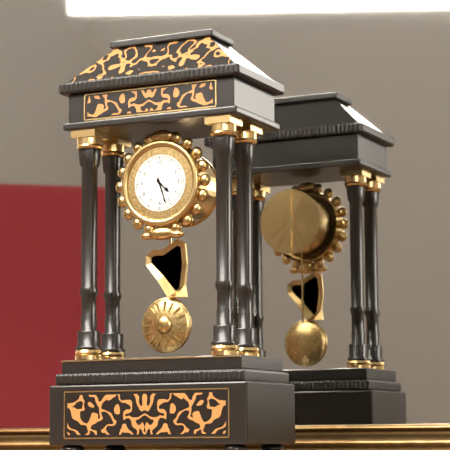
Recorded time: 4:27
